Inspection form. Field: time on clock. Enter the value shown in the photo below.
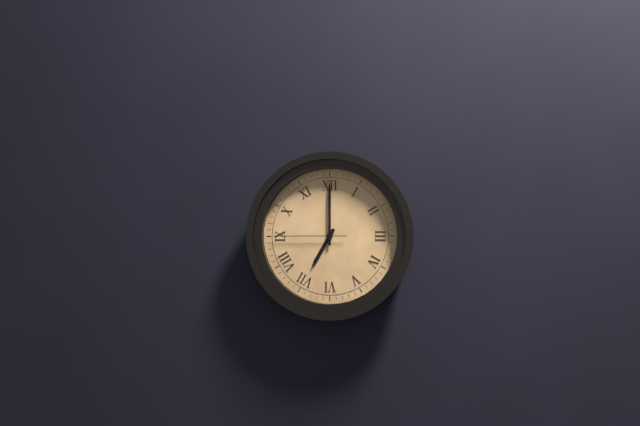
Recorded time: 7:00:45
